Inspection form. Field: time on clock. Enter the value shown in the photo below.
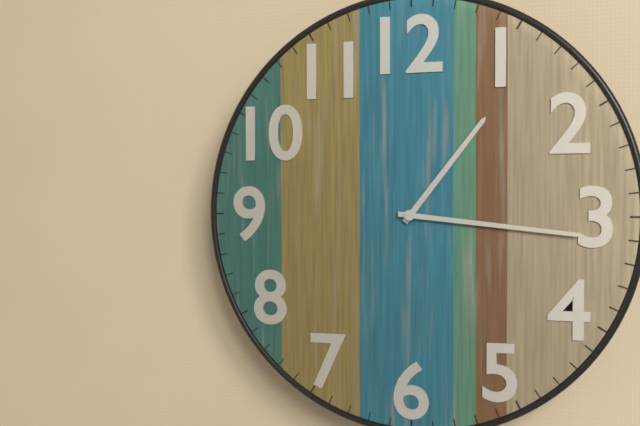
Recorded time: 1:16
